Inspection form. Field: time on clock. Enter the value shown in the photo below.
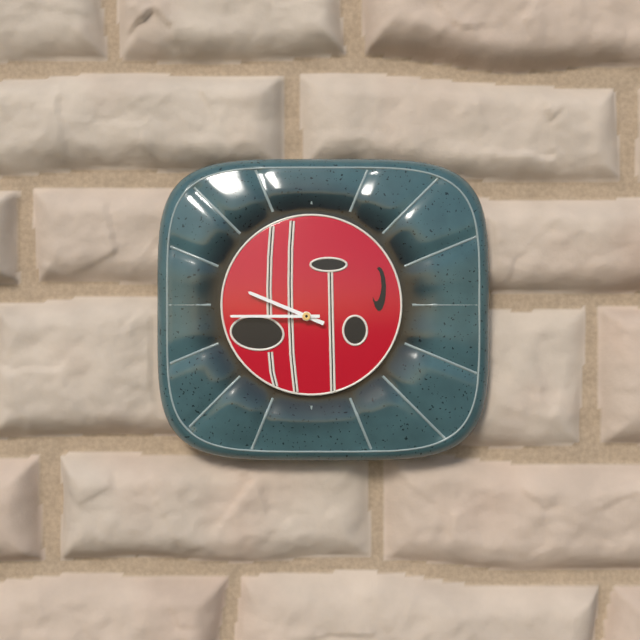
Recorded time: 9:45
